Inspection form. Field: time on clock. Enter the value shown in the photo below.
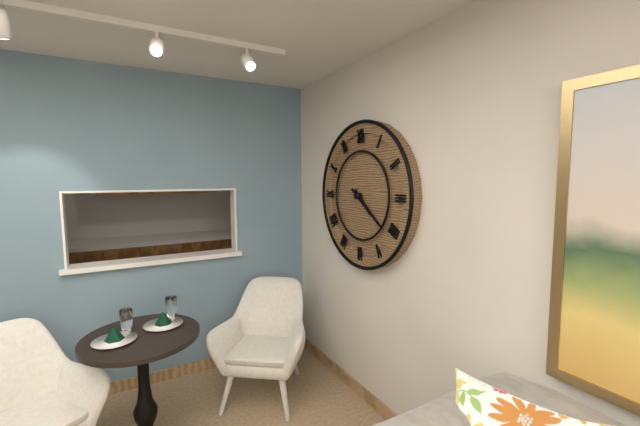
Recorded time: 4:21
